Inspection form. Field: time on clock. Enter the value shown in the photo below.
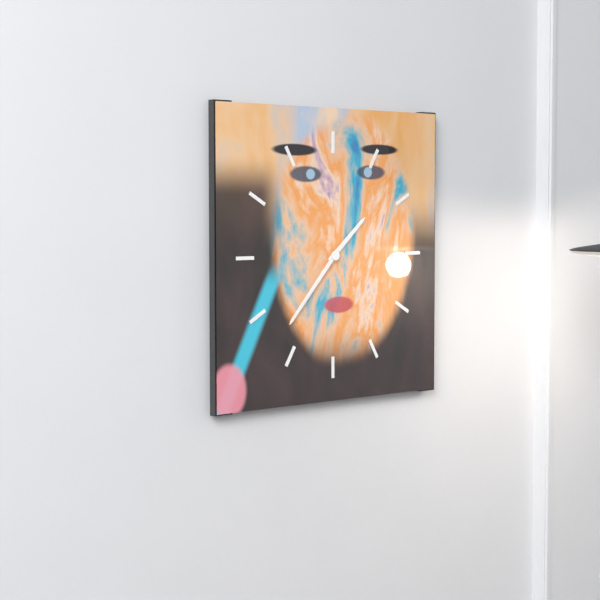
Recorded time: 1:37
